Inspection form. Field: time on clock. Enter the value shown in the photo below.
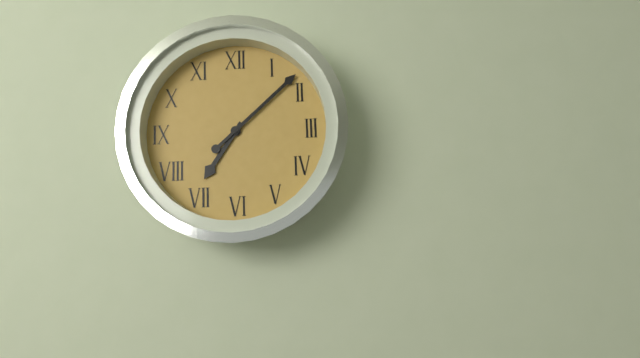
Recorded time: 7:08
